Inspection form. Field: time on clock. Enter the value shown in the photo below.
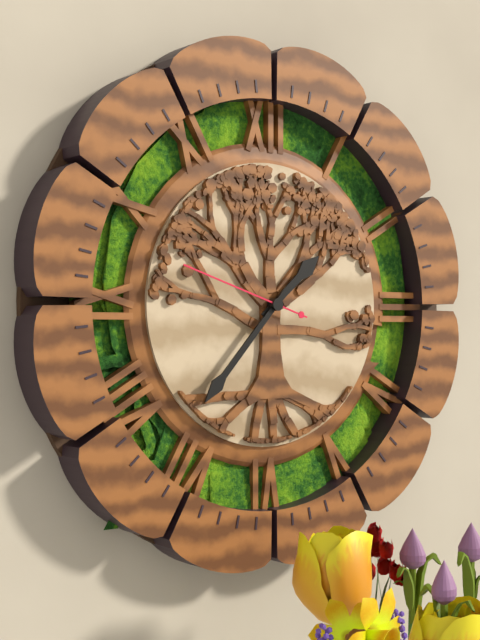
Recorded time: 1:37:48
